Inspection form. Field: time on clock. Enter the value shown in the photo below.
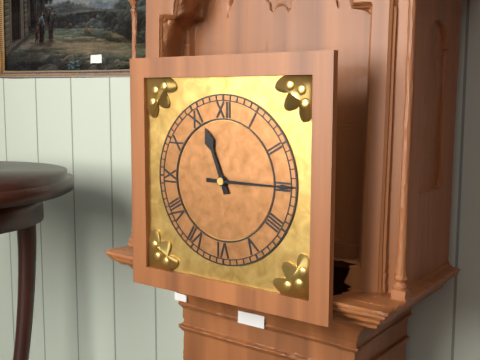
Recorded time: 11:15
